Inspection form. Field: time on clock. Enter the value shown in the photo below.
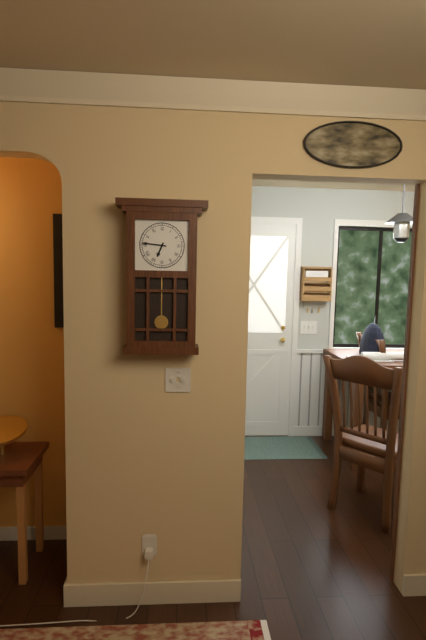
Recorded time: 6:46
